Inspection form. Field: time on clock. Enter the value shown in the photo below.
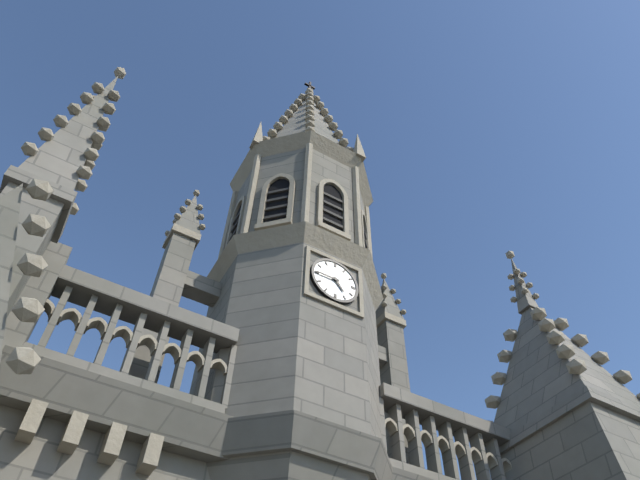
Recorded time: 4:45
